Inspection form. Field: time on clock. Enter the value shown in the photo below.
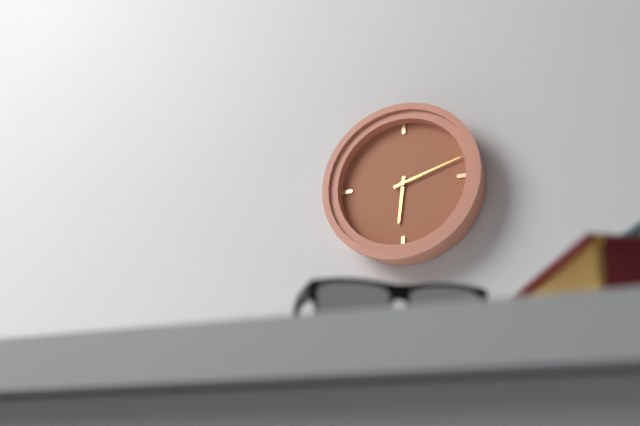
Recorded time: 6:12
